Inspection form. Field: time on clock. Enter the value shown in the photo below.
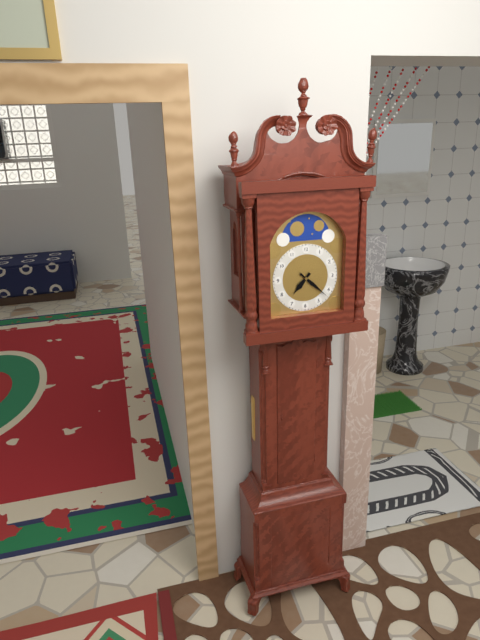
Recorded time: 7:22
